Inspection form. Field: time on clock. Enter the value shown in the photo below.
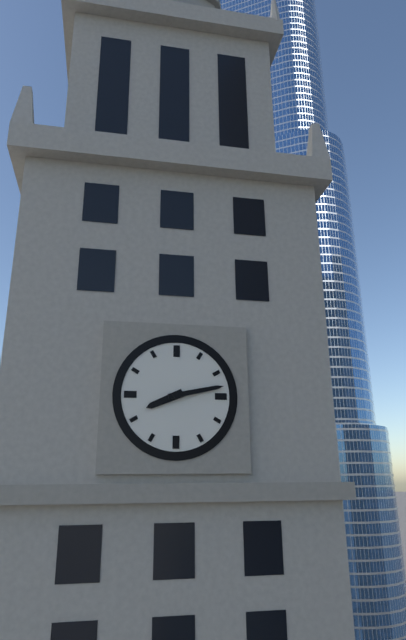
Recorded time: 8:13
